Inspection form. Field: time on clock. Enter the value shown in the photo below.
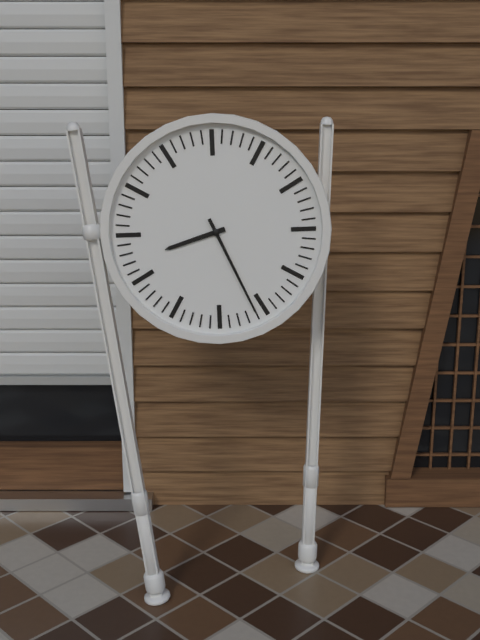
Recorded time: 8:26
